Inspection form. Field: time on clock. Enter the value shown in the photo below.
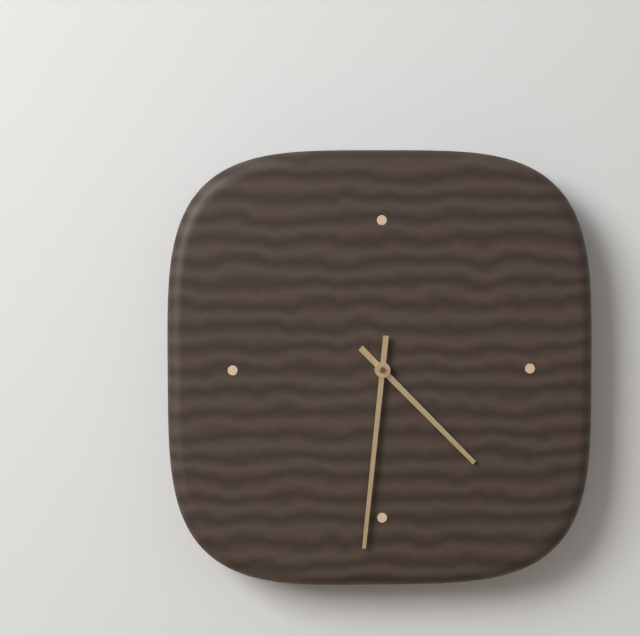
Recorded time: 4:31
